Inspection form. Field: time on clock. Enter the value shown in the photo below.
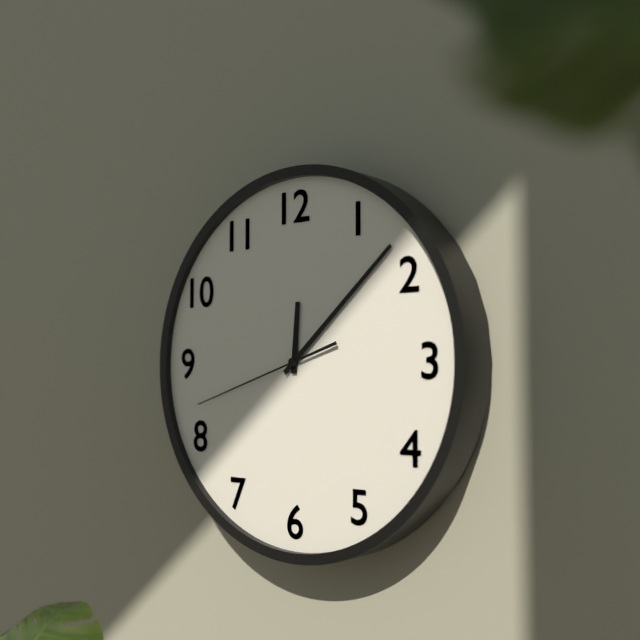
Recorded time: 12:08:42
